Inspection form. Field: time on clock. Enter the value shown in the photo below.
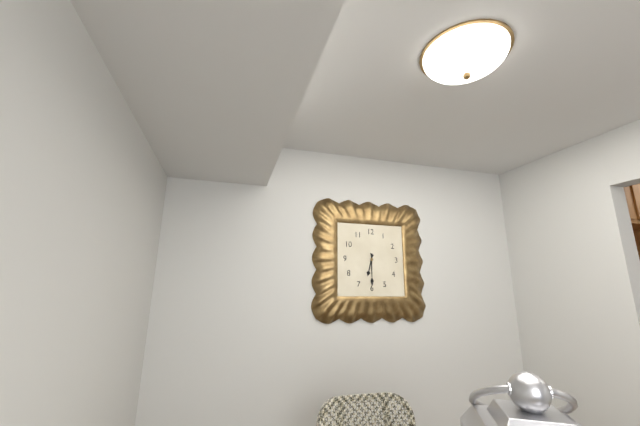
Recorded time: 6:30
